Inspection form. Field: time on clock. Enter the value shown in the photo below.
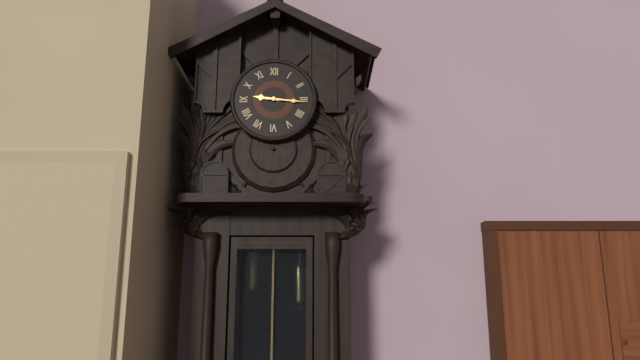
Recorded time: 9:16
